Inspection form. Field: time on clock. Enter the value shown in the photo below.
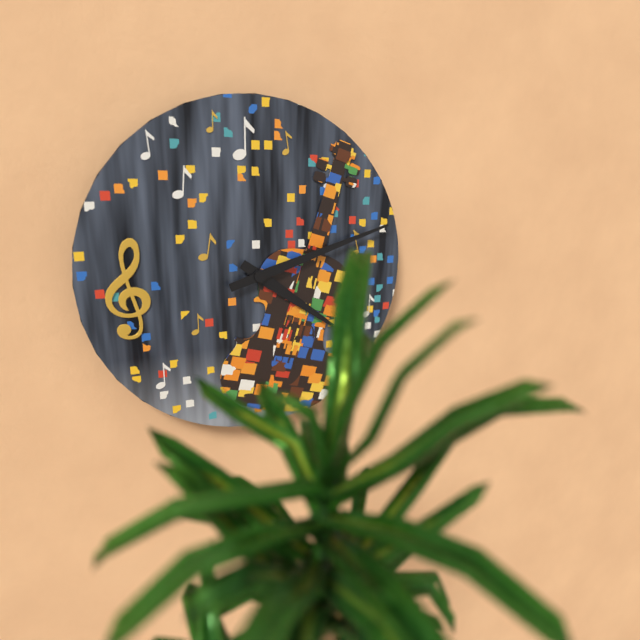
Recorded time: 4:12
